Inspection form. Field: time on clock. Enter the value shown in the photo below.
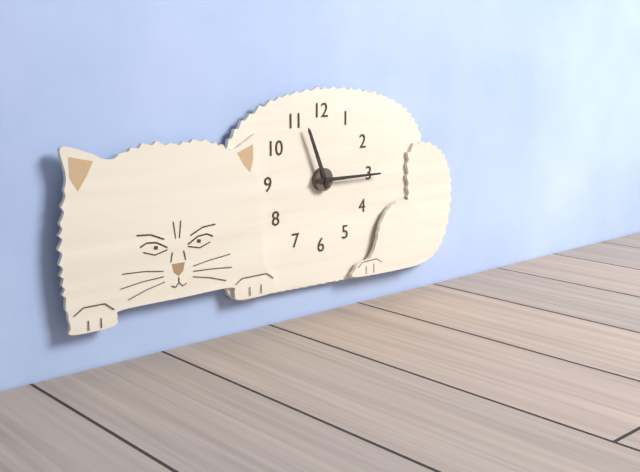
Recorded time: 11:15
